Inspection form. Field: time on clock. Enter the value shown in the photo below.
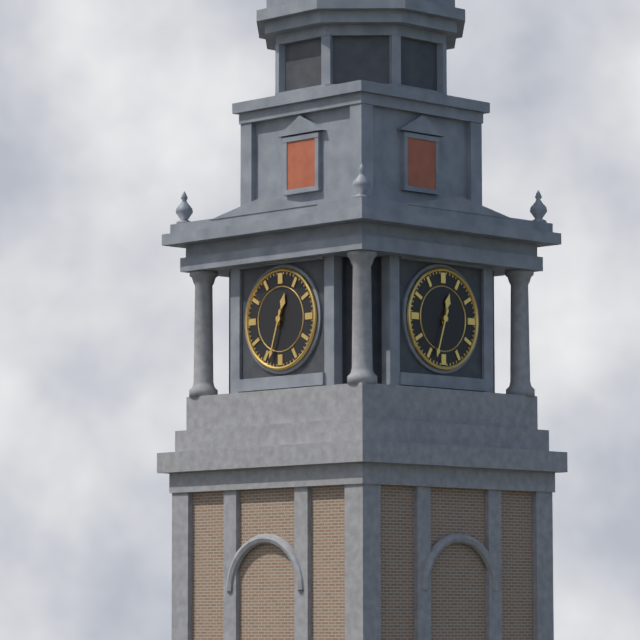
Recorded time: 12:33
